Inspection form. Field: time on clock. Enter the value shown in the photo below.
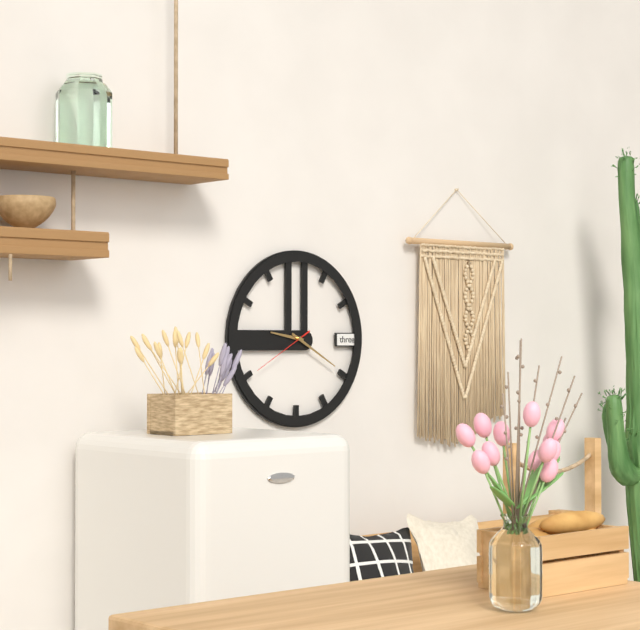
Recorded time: 9:20:40
